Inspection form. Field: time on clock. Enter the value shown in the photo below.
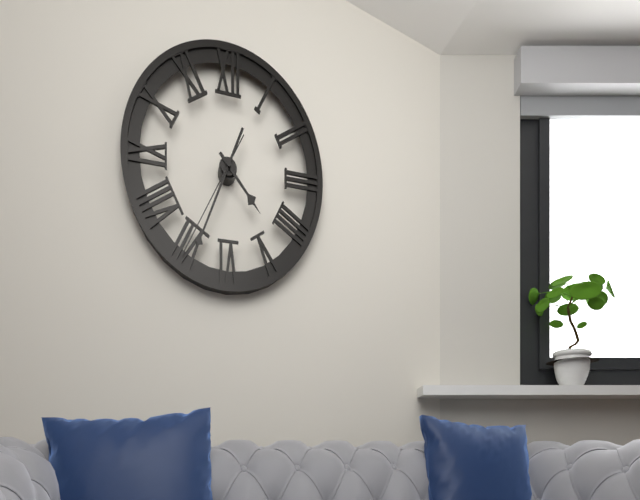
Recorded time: 4:34:35
